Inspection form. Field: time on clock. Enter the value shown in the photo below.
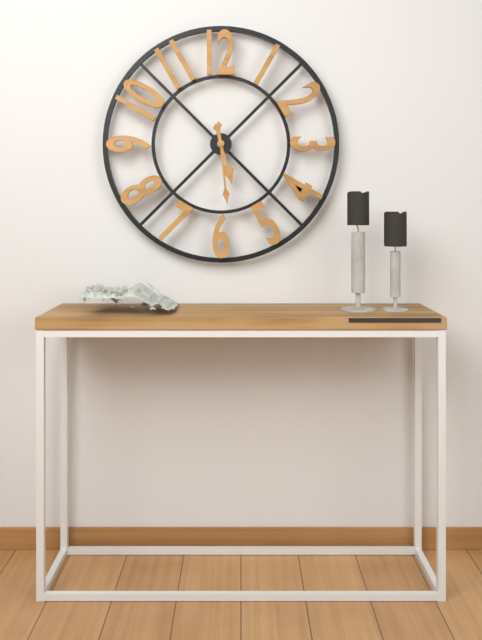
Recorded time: 5:29
